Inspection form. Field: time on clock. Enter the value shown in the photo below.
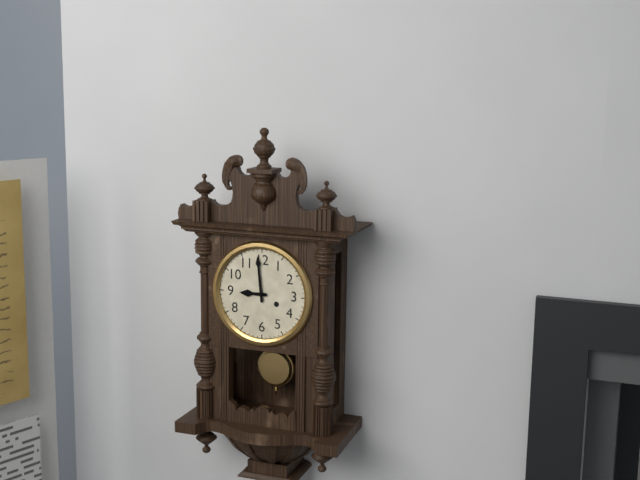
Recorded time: 8:59
